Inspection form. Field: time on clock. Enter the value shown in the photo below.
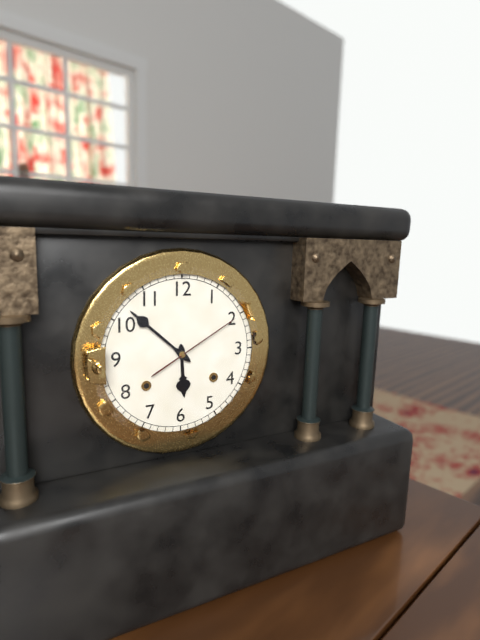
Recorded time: 5:52:10
